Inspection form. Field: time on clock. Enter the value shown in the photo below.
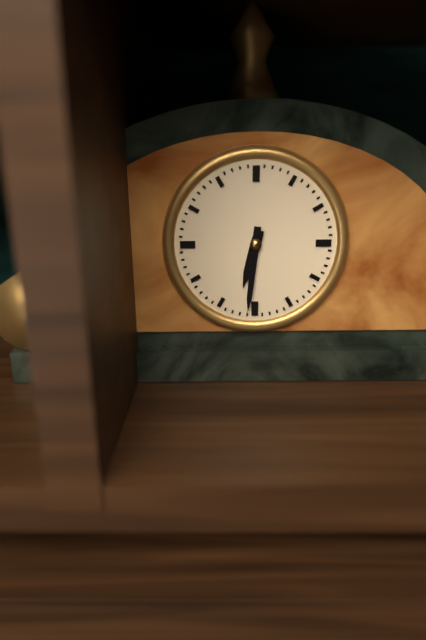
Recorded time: 6:31
